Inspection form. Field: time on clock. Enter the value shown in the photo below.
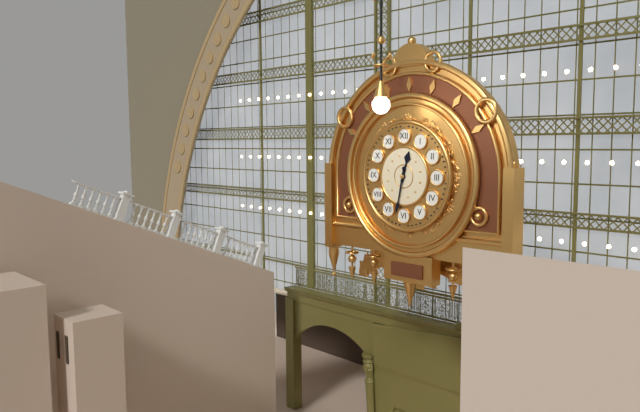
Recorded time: 12:32
